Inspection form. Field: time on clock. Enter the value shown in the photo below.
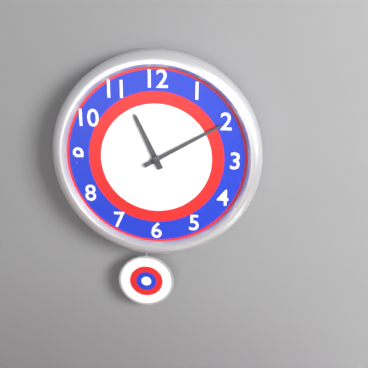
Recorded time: 11:10
